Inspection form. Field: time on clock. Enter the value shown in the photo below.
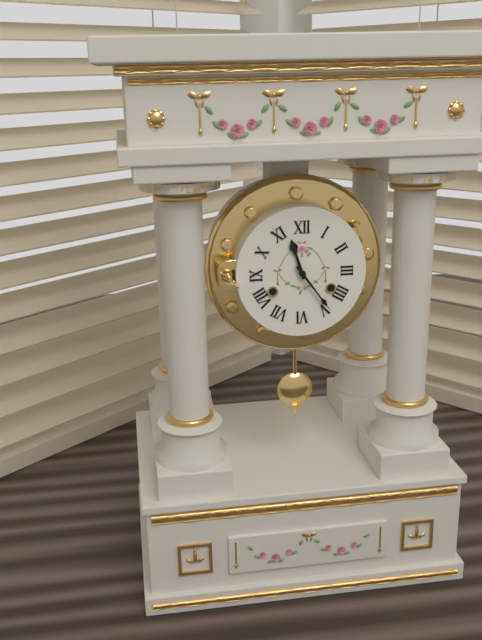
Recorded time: 11:24
